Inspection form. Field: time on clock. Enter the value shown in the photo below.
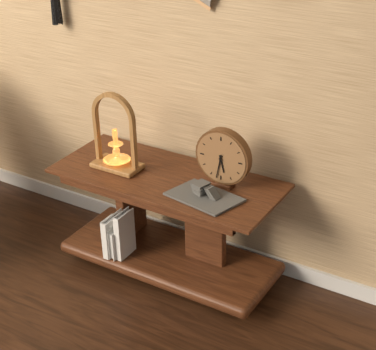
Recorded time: 5:32
